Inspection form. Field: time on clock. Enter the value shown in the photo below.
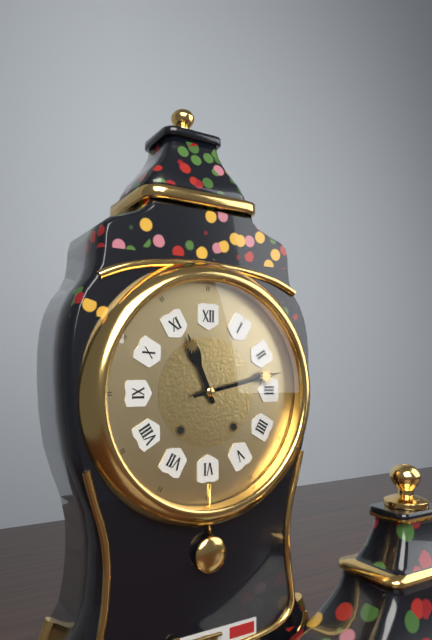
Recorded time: 11:13
